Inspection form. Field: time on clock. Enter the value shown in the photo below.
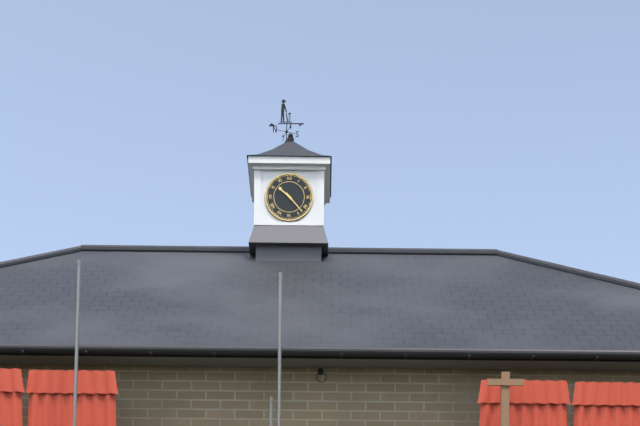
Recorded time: 10:23
